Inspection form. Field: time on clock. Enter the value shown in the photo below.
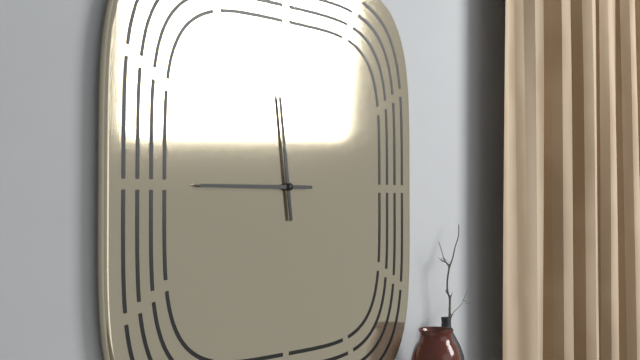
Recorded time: 11:45
